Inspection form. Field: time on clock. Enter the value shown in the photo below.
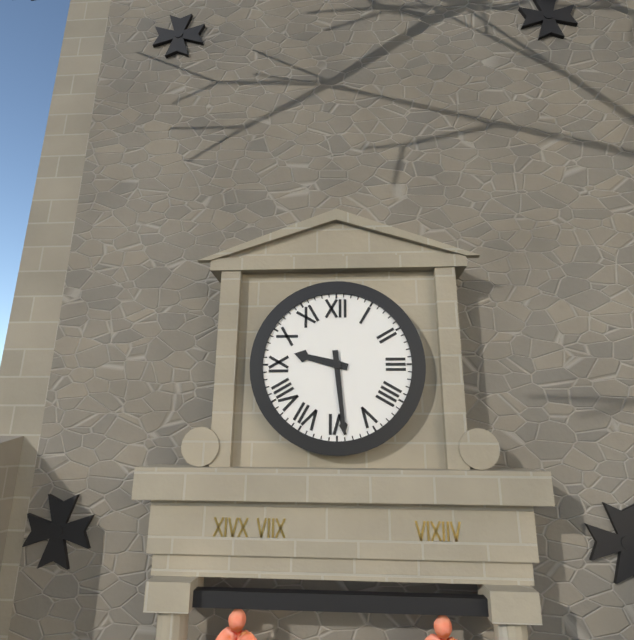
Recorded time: 9:29
